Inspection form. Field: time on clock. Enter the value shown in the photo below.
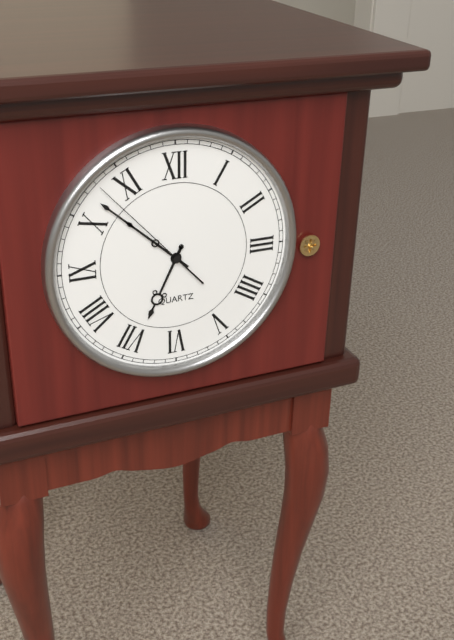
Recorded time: 6:52:53
